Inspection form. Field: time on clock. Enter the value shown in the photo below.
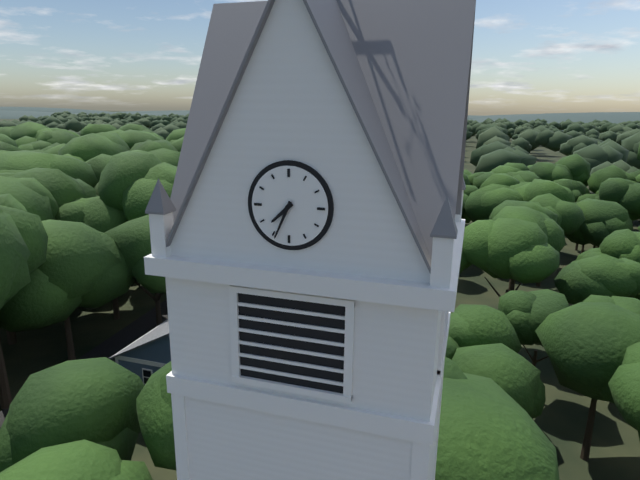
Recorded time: 7:34
